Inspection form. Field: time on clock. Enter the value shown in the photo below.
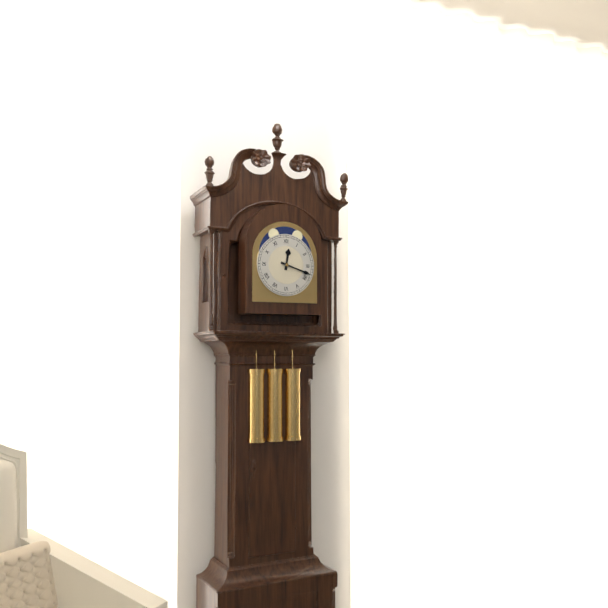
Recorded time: 12:18
